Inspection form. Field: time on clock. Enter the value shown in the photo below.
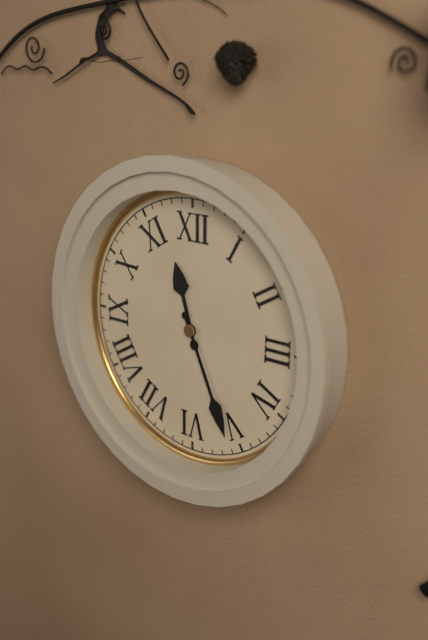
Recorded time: 11:26
